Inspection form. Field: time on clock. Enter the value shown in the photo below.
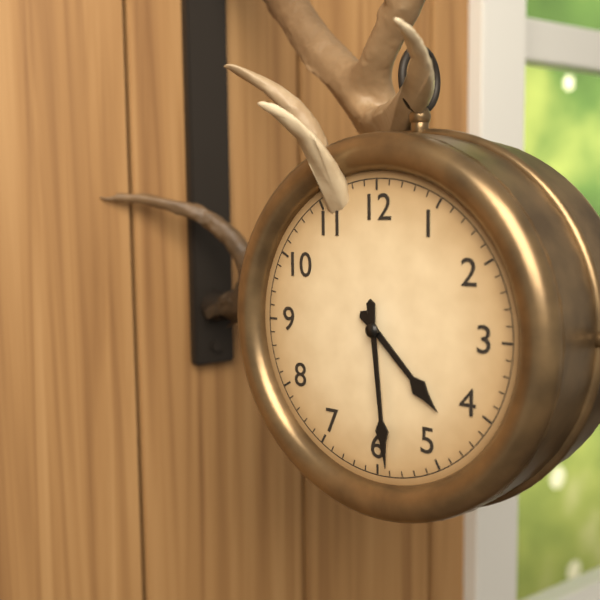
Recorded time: 4:29
